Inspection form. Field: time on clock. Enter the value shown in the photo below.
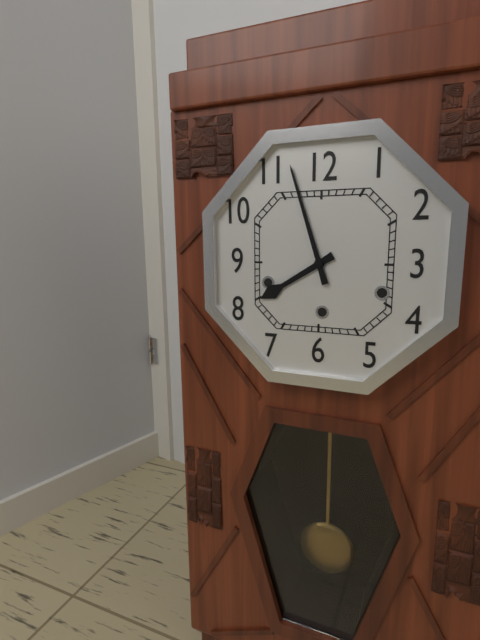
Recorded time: 7:57
